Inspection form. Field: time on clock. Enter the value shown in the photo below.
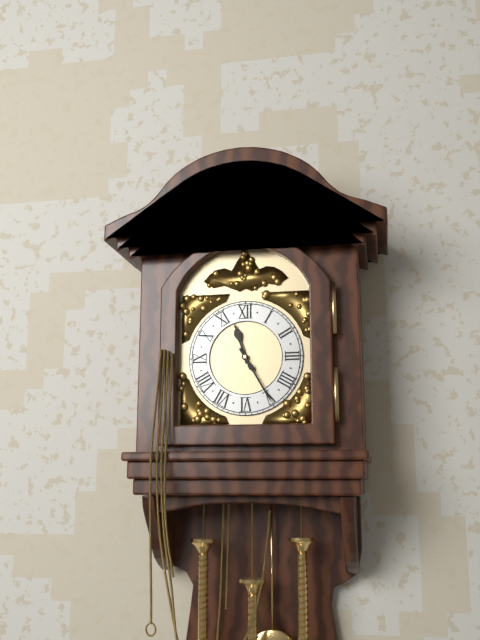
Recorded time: 11:25
